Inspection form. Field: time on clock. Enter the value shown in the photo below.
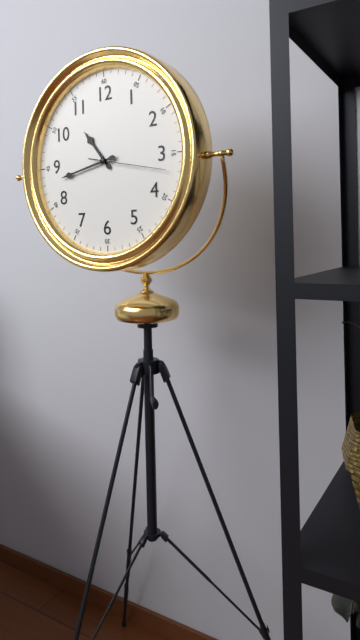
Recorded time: 10:43:17
